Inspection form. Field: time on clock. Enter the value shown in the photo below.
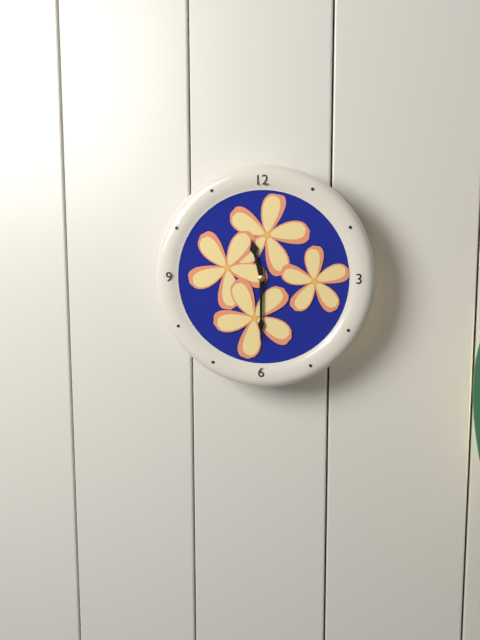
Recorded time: 11:30
